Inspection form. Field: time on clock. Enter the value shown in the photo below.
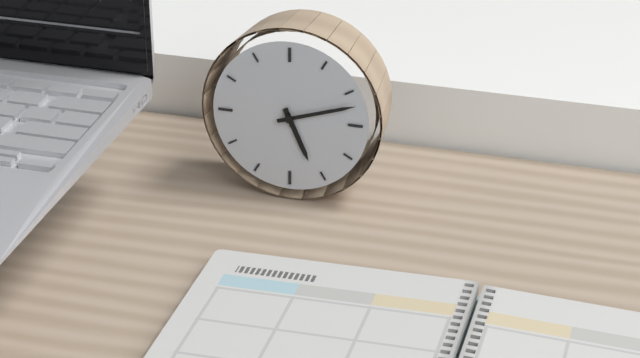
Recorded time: 5:12
